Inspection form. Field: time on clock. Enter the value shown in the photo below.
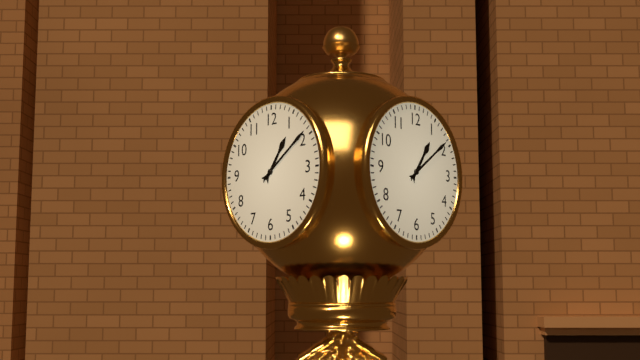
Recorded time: 1:09
